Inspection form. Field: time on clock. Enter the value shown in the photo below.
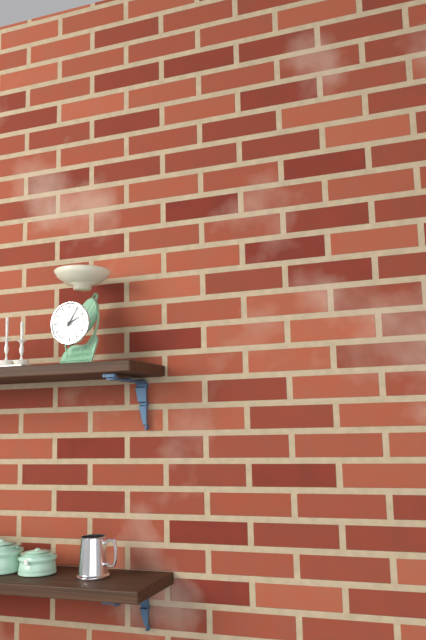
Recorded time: 2:05
